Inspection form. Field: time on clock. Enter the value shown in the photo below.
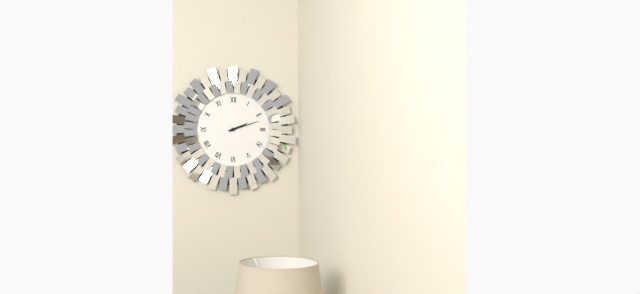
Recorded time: 2:12
